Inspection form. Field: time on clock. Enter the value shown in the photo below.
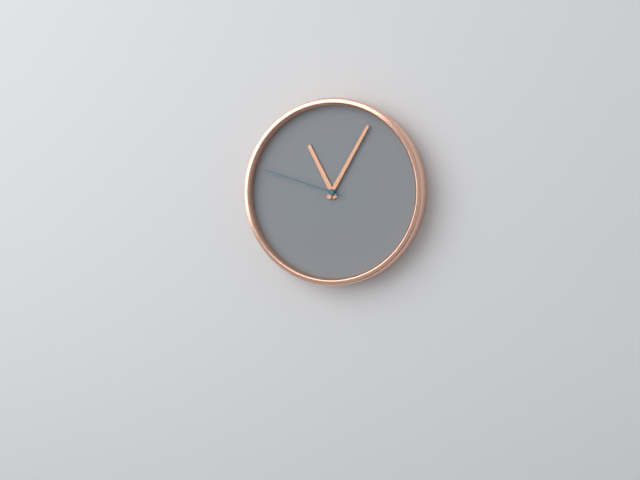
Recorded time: 11:05:48
